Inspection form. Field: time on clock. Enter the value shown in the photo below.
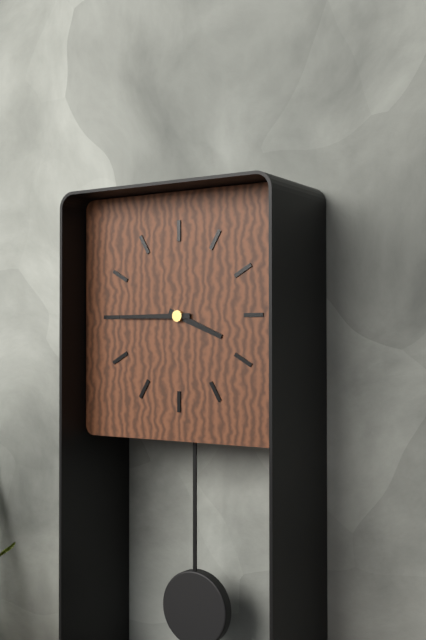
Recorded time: 3:45
